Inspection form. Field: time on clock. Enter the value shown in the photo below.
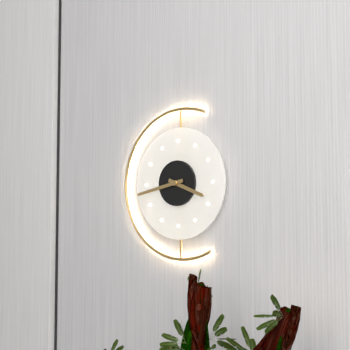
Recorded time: 3:43
